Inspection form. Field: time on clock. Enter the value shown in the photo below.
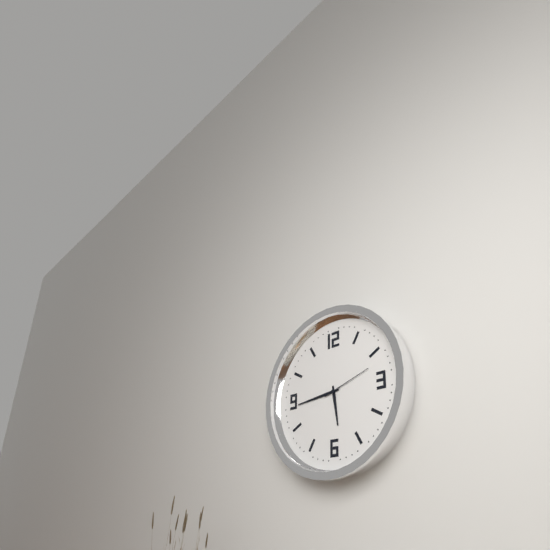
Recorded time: 5:44:12
